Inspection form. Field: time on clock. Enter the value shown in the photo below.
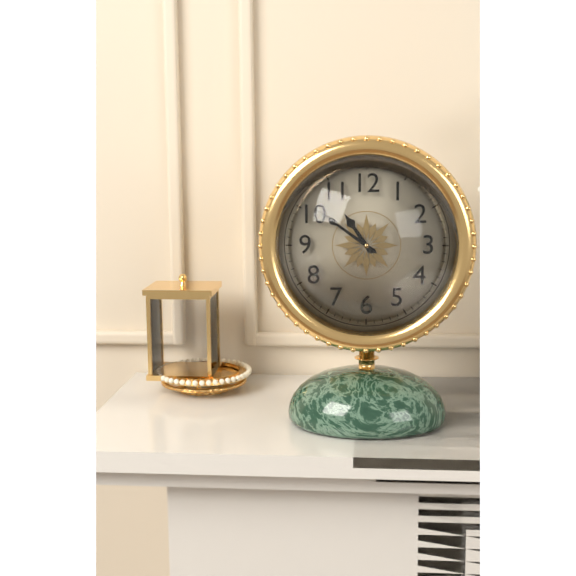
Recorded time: 10:51
